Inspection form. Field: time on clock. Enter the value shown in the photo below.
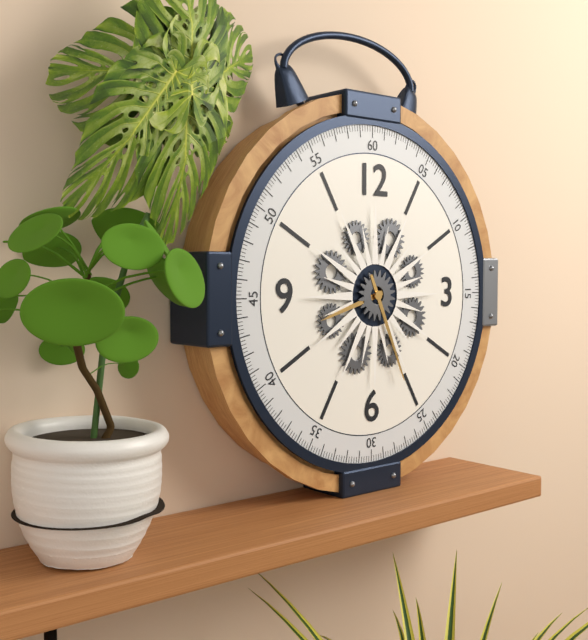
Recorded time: 8:26
